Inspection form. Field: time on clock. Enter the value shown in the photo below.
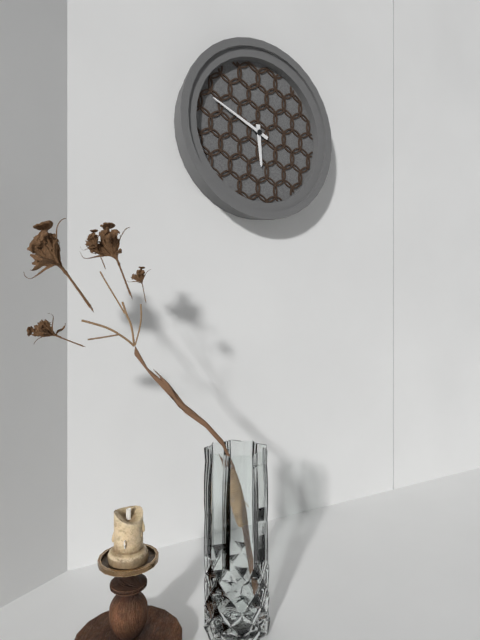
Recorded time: 5:49
